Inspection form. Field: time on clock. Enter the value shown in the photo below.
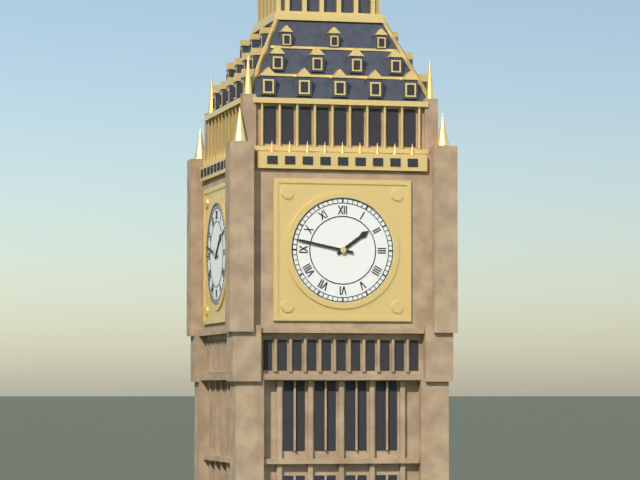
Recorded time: 1:47
